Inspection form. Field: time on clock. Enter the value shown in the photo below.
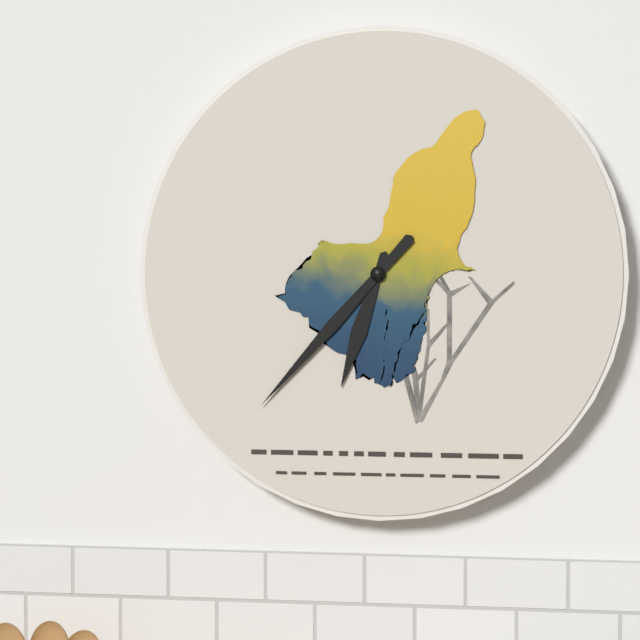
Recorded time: 6:37
